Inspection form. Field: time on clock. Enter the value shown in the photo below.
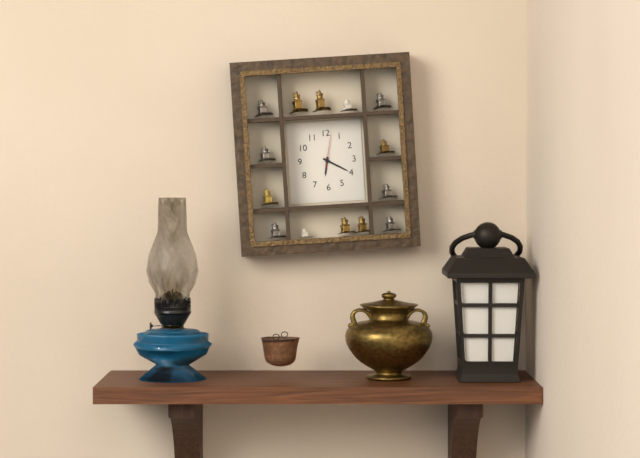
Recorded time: 6:20
